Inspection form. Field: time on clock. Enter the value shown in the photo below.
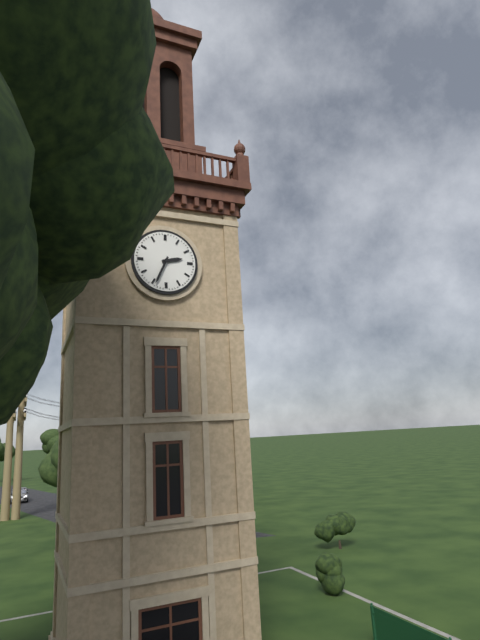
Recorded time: 2:34
